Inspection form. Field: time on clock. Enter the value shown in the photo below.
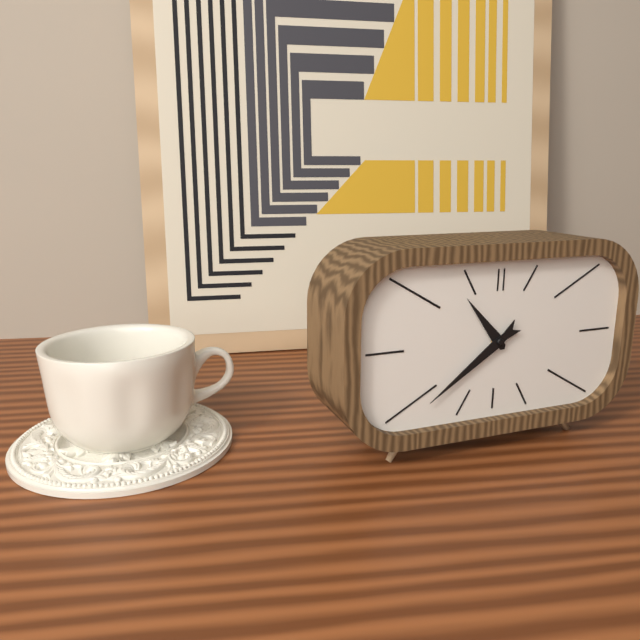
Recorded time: 10:39
